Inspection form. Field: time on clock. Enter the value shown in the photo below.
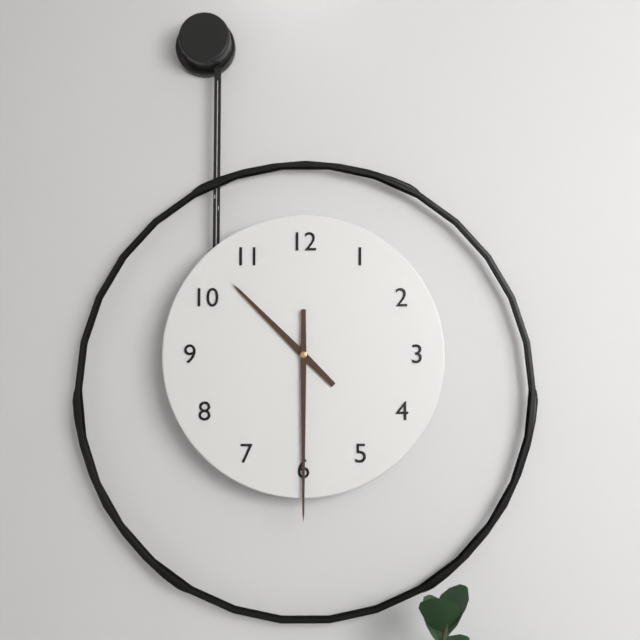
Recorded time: 10:30
